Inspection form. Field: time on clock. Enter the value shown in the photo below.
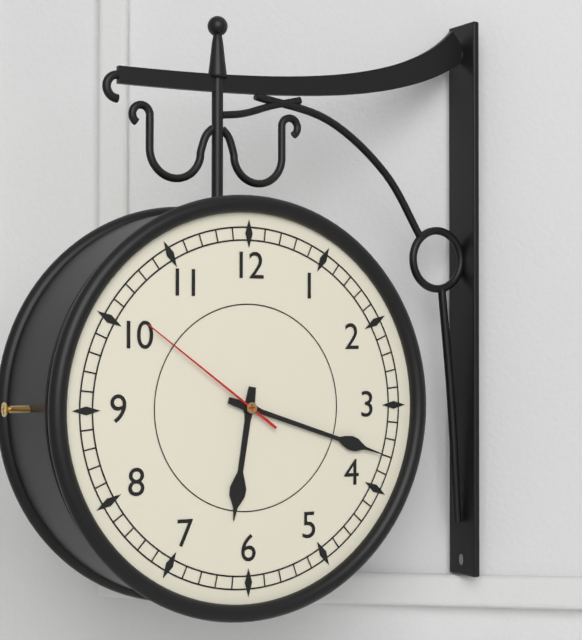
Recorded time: 6:18:51
